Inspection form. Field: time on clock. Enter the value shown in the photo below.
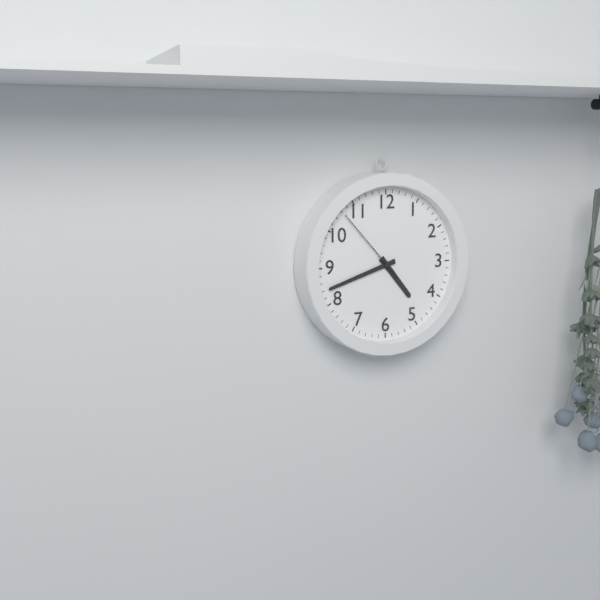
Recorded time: 4:42:53
